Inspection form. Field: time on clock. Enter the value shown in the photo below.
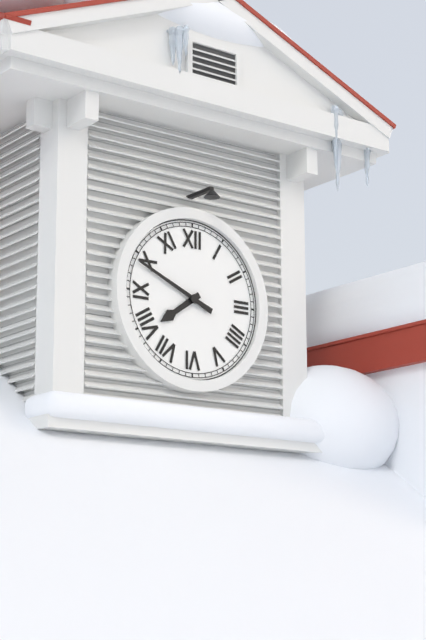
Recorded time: 7:49
